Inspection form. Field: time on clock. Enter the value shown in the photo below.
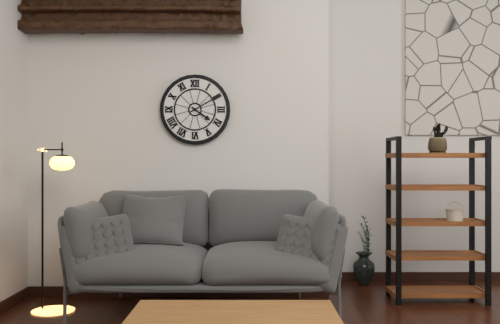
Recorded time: 4:10
